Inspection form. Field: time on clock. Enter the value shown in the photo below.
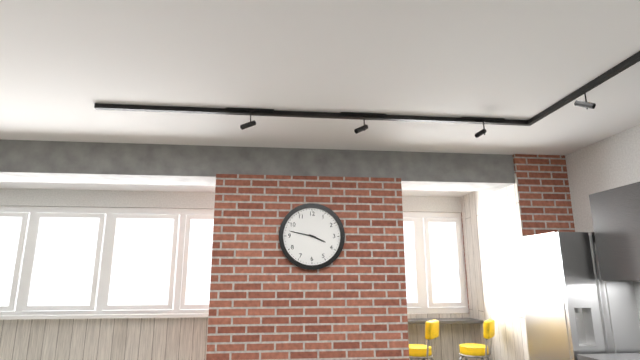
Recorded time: 3:47
